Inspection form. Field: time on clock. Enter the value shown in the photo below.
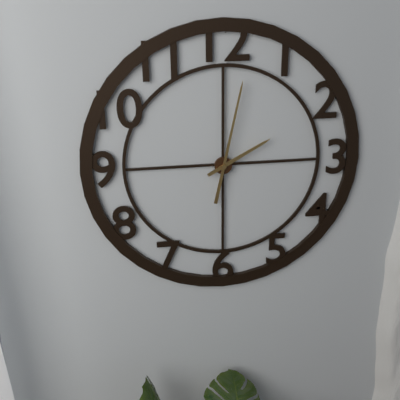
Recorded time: 2:02
